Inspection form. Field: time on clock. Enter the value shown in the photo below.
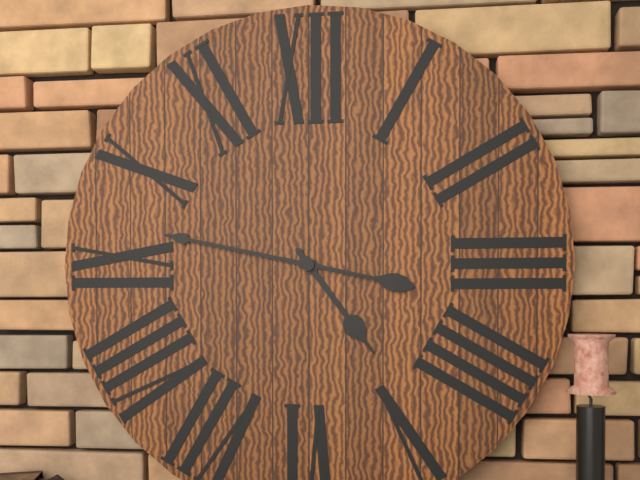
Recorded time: 4:47
